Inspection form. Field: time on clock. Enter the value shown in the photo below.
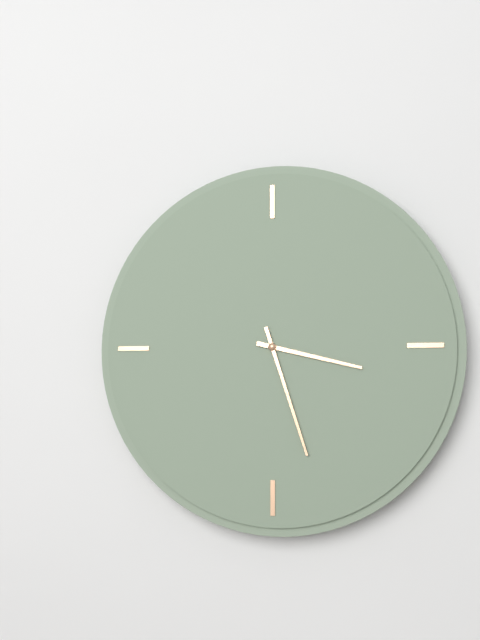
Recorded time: 3:27
